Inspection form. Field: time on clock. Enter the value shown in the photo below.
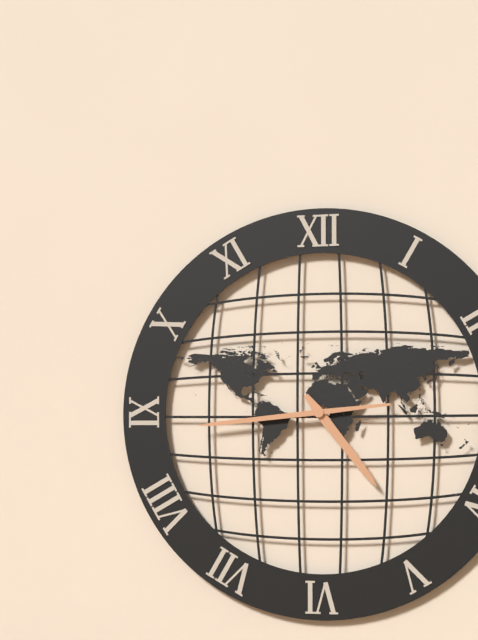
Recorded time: 4:44
